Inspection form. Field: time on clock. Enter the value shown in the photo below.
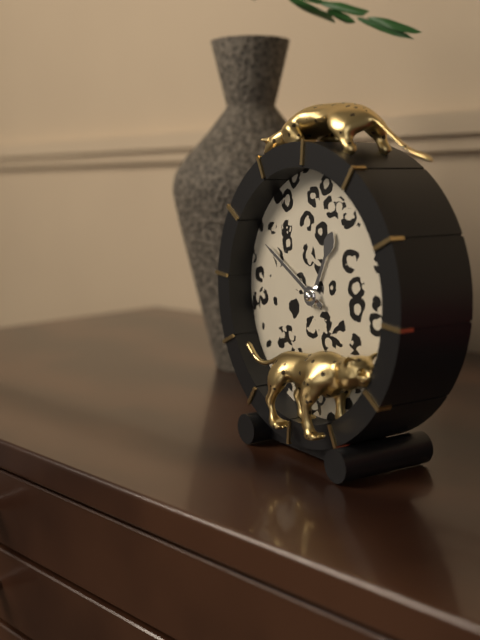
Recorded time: 12:50
